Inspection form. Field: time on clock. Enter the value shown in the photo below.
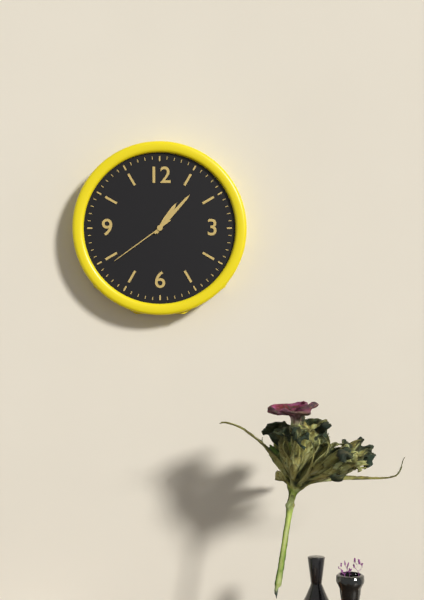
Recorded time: 1:07:39
